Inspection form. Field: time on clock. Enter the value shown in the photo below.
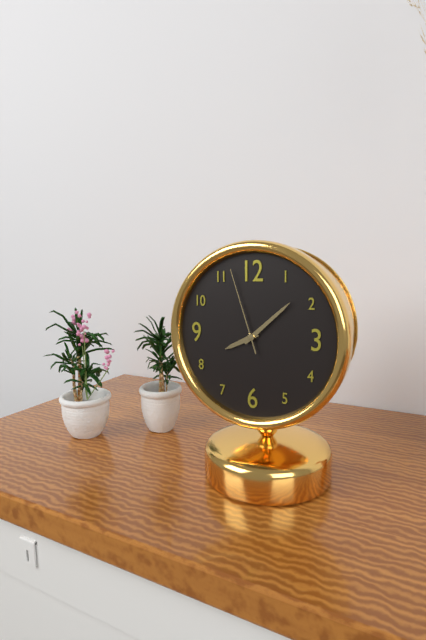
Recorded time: 8:08:57
